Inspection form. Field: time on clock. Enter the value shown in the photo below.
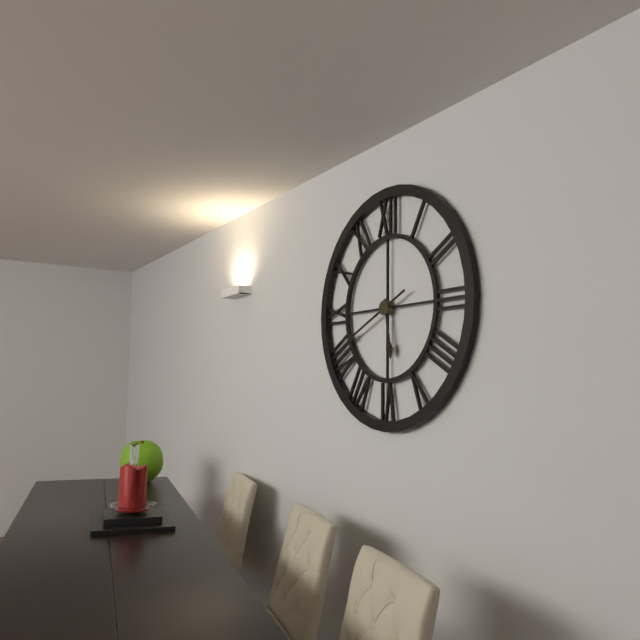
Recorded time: 5:41
